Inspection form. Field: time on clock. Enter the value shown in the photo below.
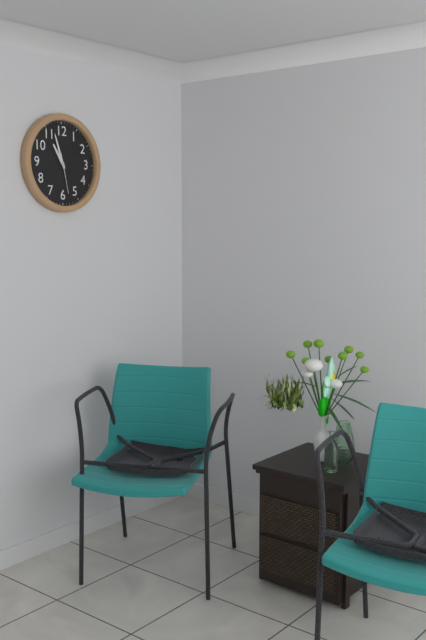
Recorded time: 10:57
